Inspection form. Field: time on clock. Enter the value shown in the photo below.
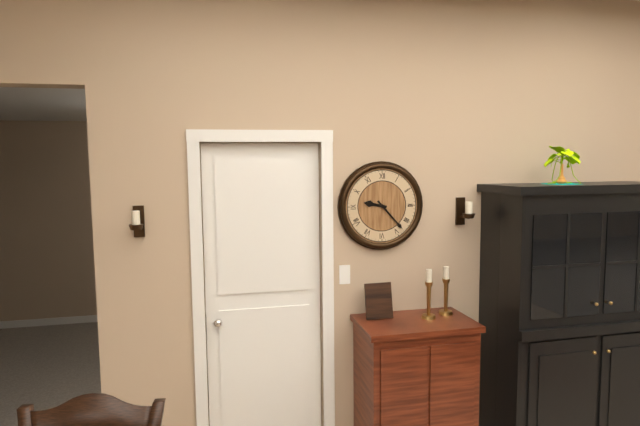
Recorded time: 9:23
